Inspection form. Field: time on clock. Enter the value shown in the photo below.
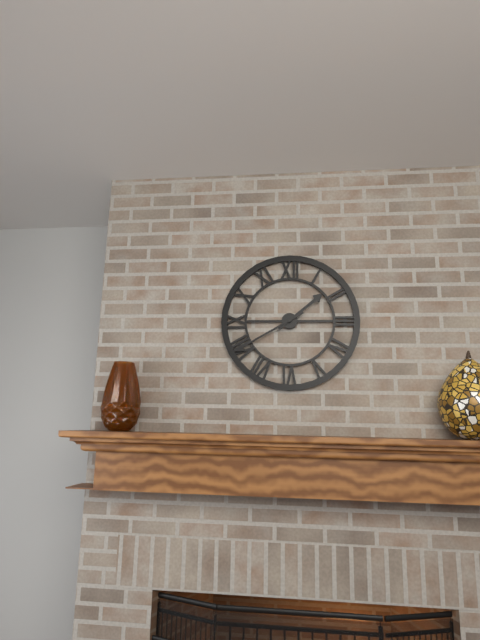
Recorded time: 1:40
